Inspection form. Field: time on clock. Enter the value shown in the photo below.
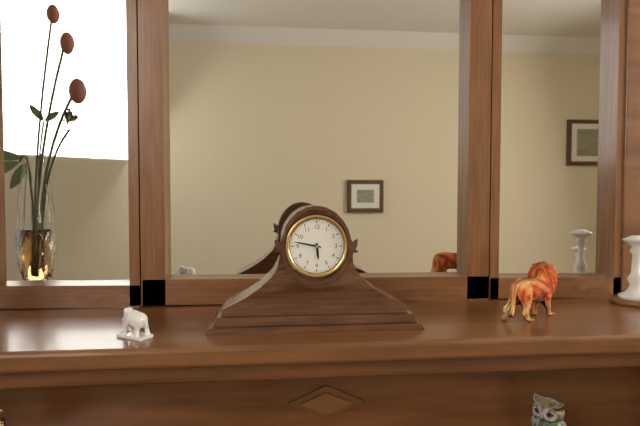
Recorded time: 5:47
